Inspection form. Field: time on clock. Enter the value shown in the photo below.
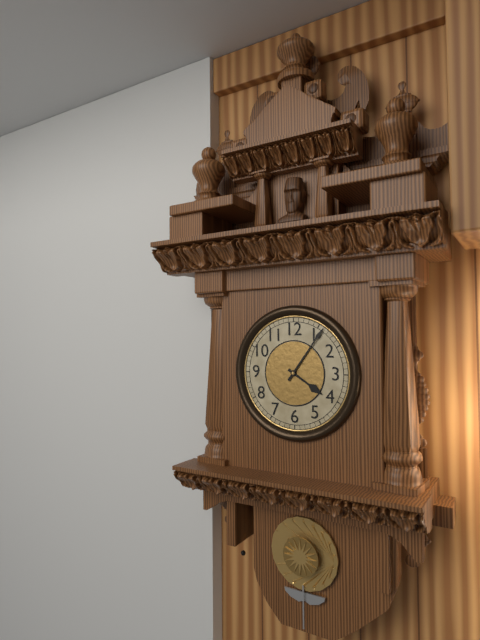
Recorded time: 4:06
